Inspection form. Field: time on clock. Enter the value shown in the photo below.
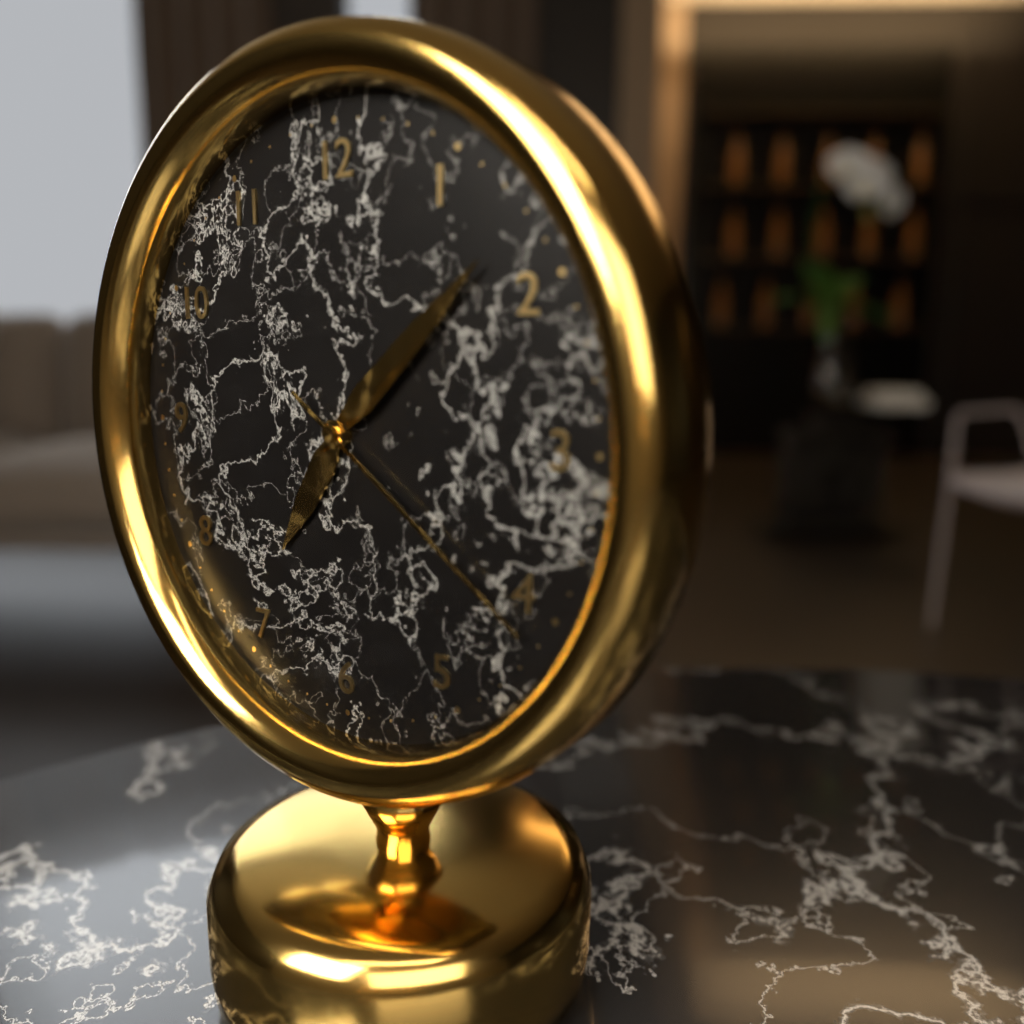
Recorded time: 7:08:21
